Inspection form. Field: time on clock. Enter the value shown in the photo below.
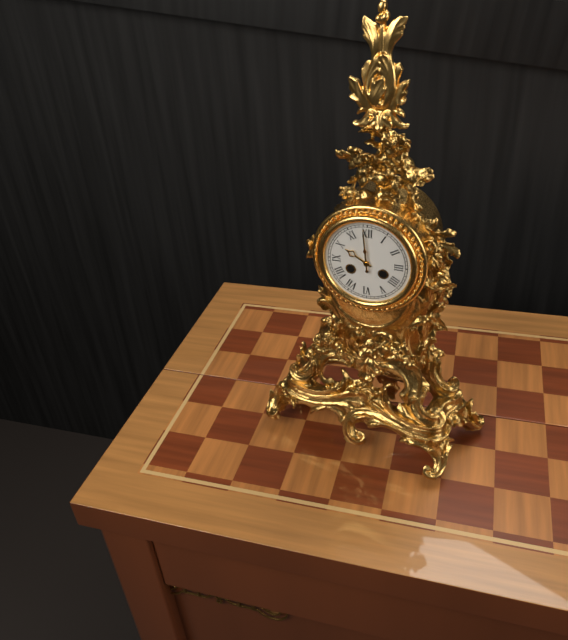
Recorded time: 9:59
